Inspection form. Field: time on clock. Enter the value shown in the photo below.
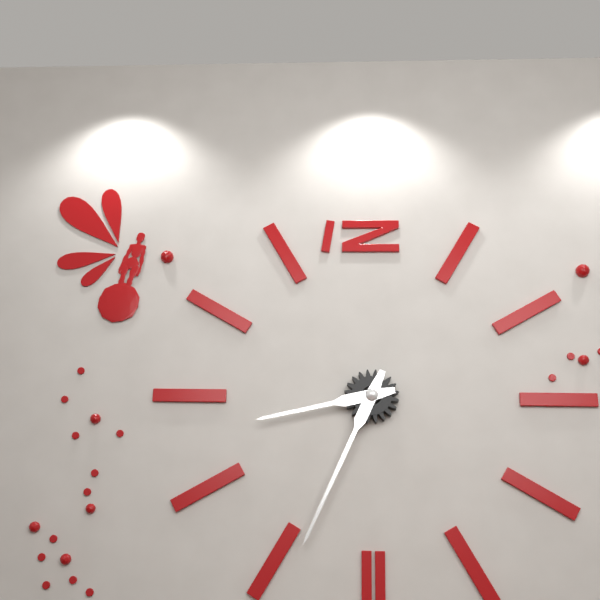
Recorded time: 8:34
